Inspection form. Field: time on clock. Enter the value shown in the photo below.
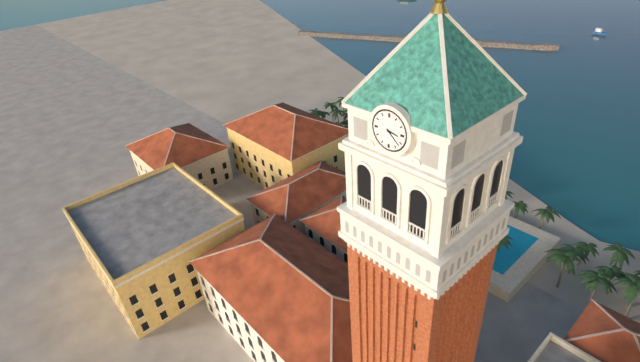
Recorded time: 3:22
